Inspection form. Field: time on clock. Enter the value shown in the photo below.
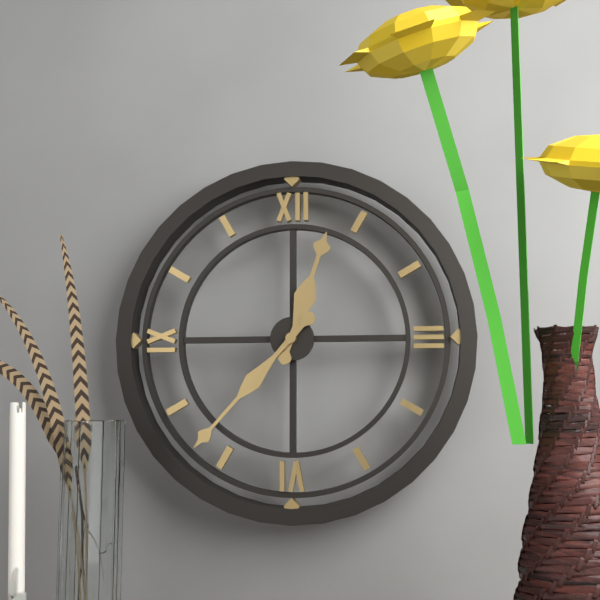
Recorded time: 12:37
